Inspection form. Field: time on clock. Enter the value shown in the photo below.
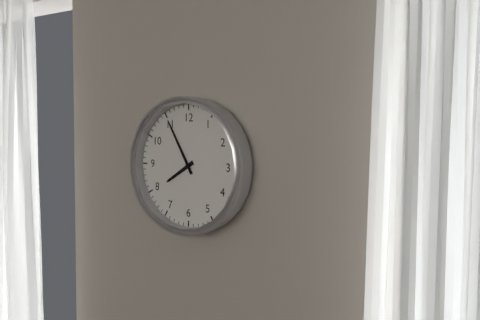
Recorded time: 7:55
